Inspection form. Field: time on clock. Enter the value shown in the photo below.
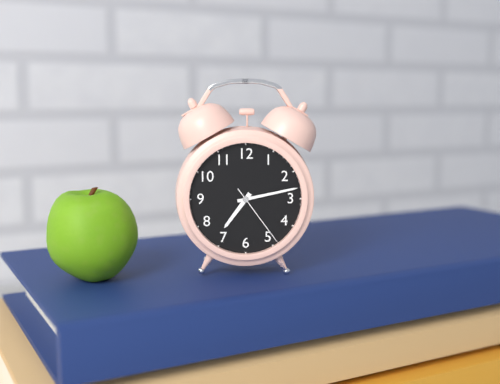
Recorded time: 7:13:24
